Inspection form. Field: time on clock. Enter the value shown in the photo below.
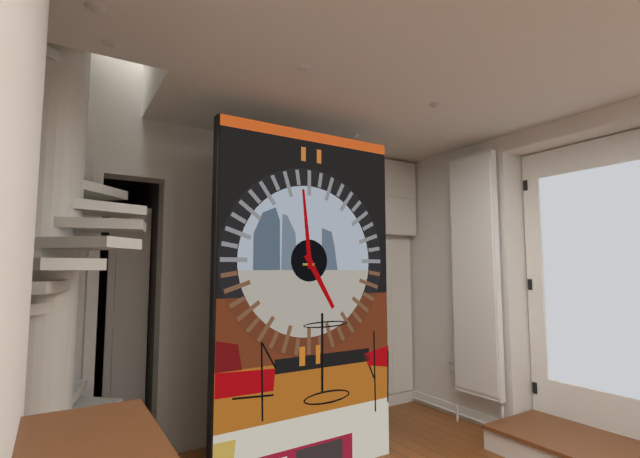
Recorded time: 4:59
